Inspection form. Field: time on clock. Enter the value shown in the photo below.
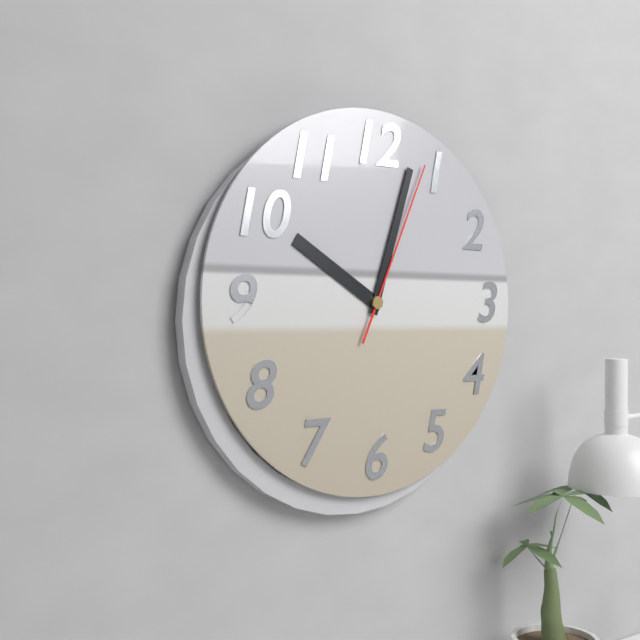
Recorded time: 10:03:04
